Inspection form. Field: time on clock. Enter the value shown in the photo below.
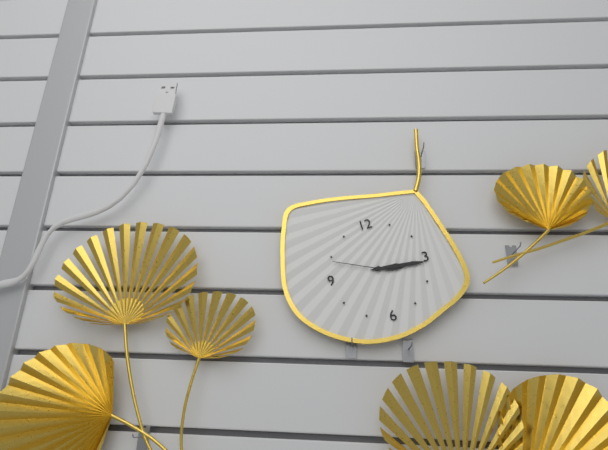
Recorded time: 3:16:49
